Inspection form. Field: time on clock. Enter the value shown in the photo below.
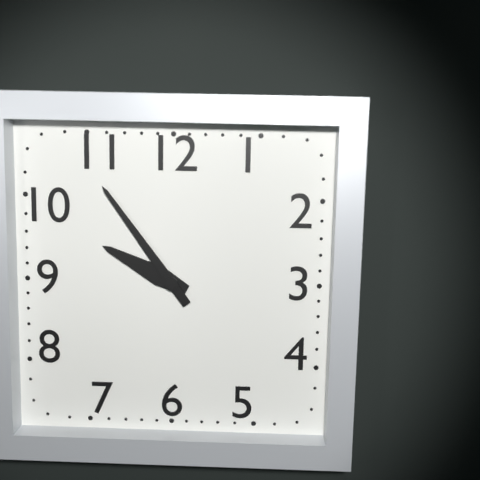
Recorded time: 9:54
